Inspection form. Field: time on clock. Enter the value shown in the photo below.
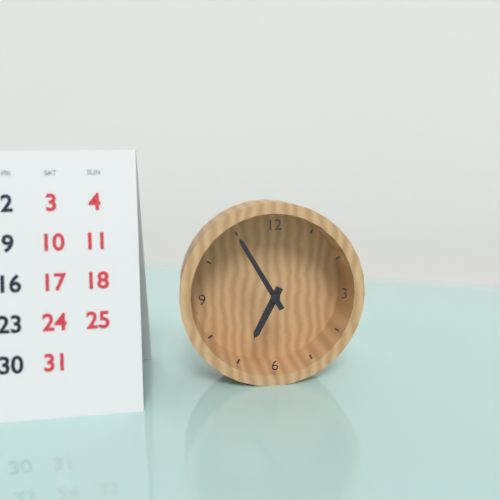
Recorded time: 6:55
